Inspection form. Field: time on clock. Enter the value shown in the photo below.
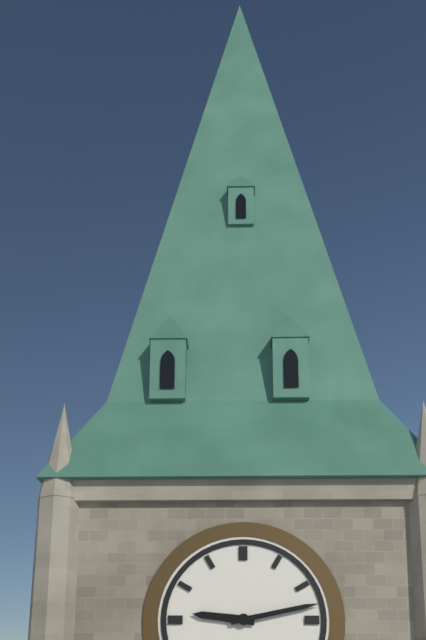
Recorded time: 9:13
